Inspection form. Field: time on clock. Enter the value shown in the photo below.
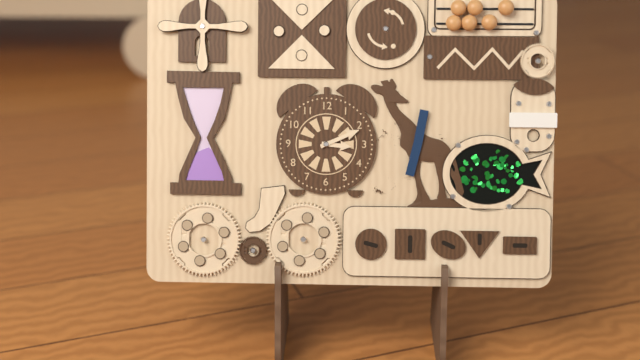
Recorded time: 3:11
